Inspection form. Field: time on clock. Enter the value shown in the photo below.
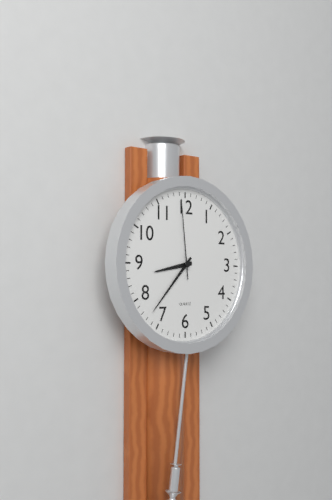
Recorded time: 8:37:59
